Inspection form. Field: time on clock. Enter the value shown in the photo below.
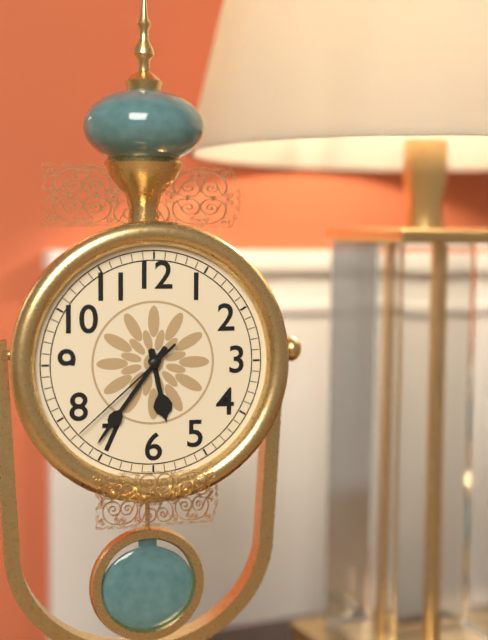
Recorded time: 5:36:38
